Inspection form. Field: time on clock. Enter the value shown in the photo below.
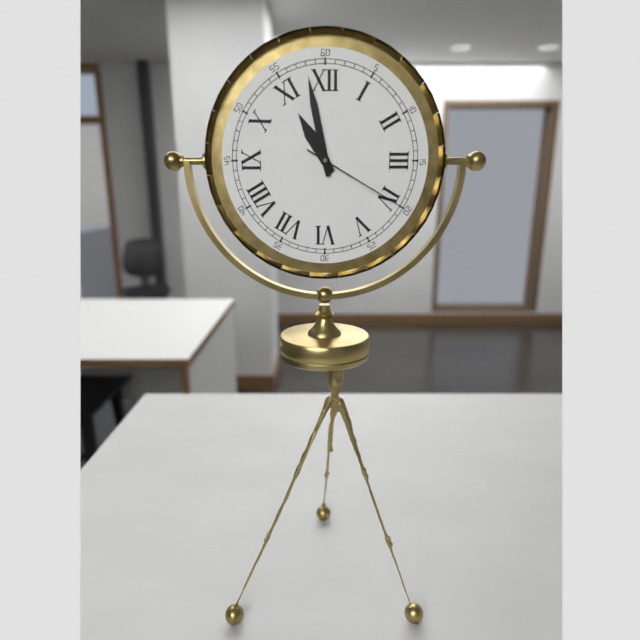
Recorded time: 10:58:20
